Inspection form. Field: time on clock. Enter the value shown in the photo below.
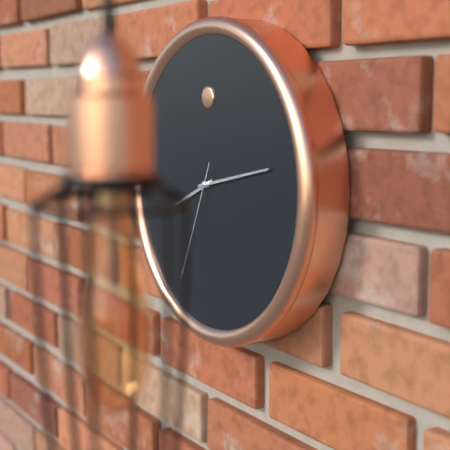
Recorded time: 8:13:34
